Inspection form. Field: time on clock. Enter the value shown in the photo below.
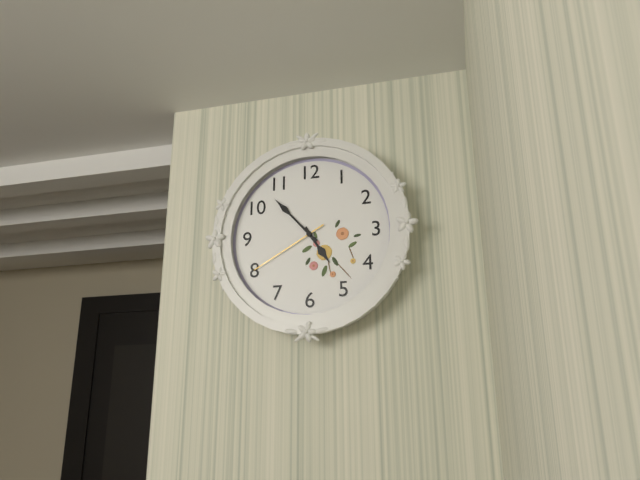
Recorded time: 4:53:40
